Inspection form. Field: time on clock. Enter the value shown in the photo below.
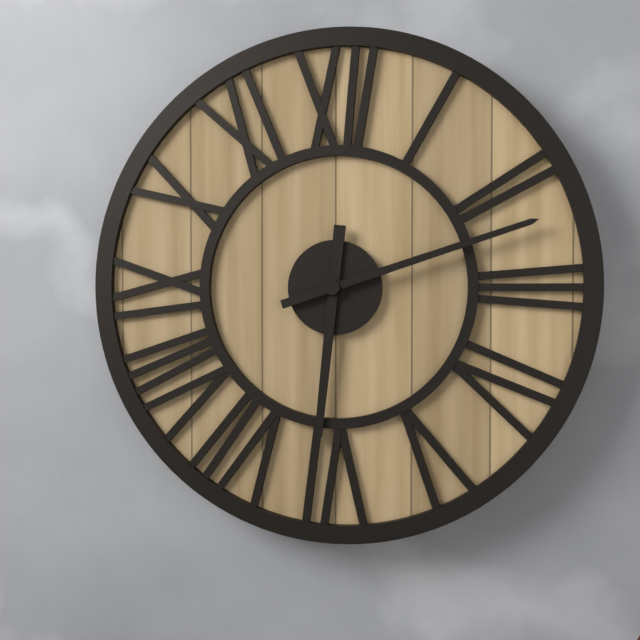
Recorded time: 6:12
